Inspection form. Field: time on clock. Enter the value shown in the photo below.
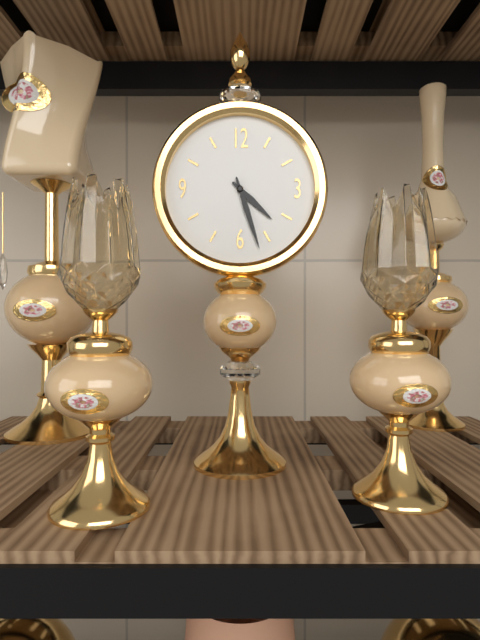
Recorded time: 4:27
